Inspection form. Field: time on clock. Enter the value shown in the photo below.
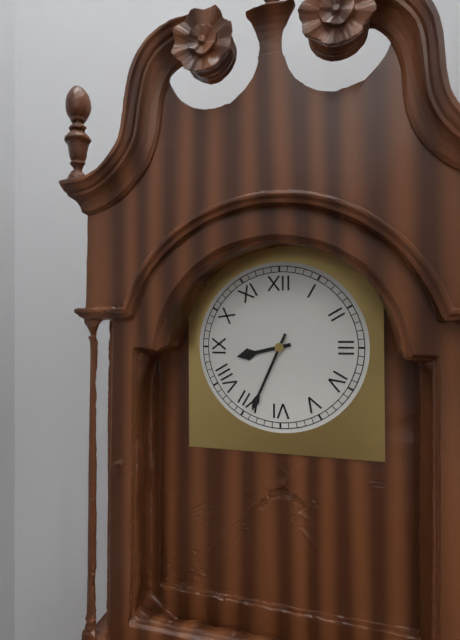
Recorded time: 8:34
